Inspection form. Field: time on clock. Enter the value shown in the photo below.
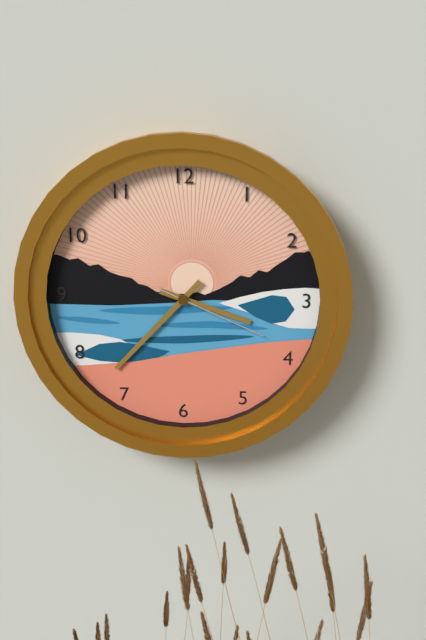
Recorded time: 3:37:19
